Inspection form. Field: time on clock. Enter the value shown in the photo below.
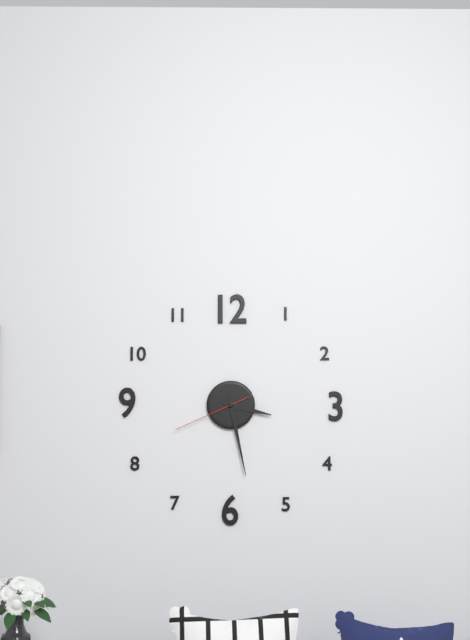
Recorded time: 3:28:41
